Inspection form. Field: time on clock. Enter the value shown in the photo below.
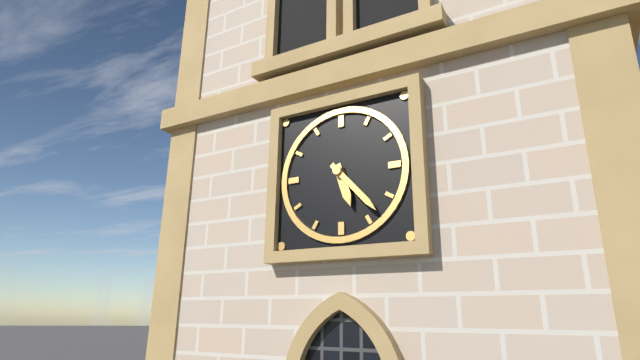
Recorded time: 5:23
